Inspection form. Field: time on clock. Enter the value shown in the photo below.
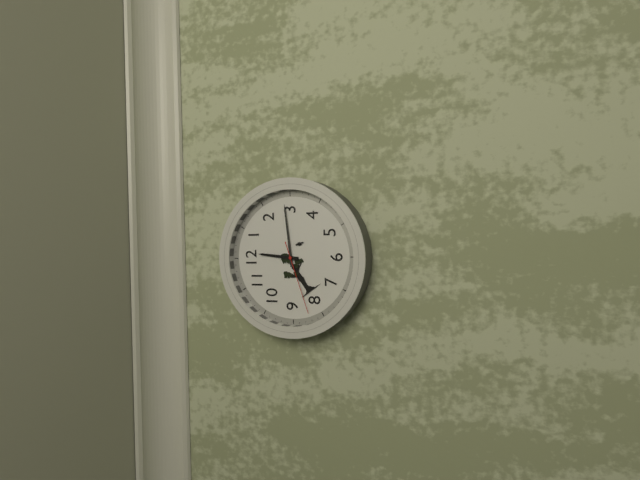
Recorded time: 12:14:42
